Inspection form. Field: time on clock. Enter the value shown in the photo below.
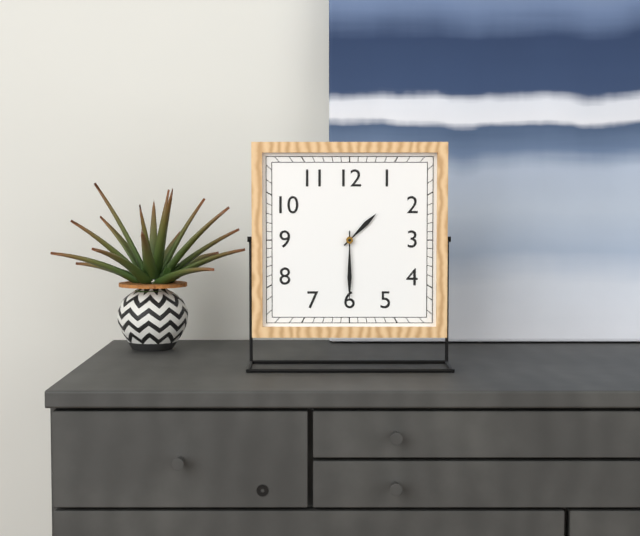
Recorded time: 1:30
